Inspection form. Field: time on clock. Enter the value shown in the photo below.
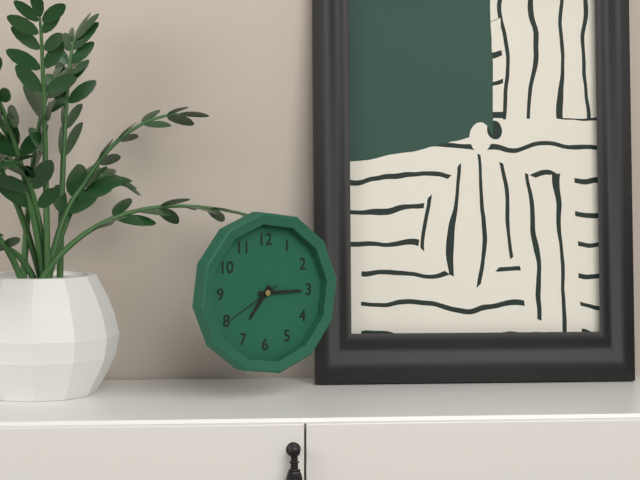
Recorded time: 7:15:40
